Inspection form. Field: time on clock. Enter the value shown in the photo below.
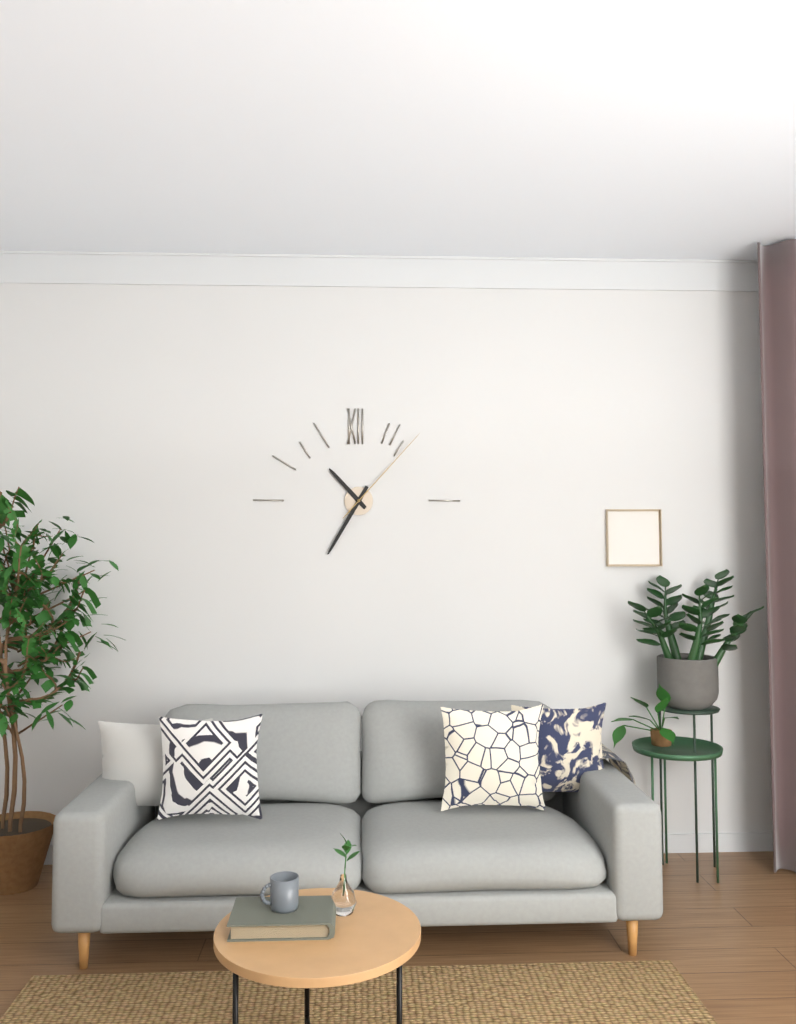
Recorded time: 10:35:07
